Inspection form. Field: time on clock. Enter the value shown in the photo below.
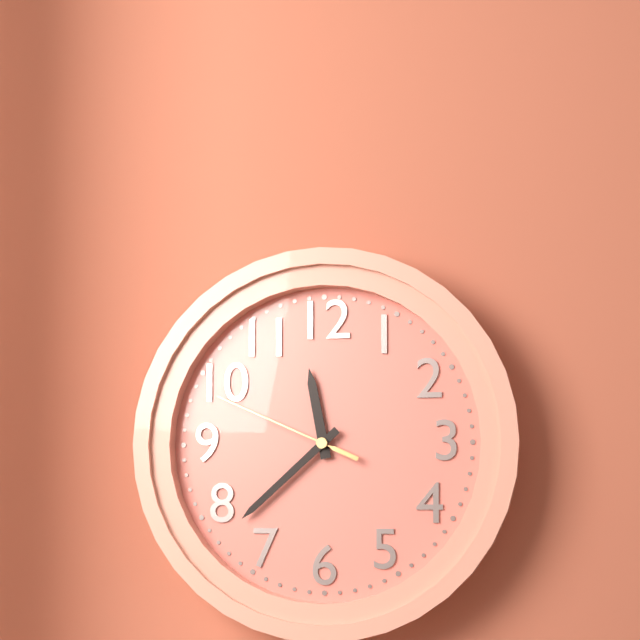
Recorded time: 11:38:49
